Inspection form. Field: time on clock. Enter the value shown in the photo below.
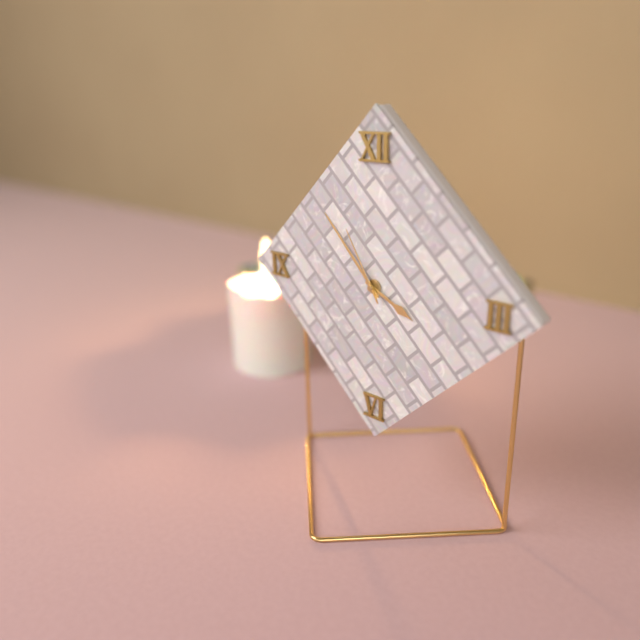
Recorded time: 3:53:55
